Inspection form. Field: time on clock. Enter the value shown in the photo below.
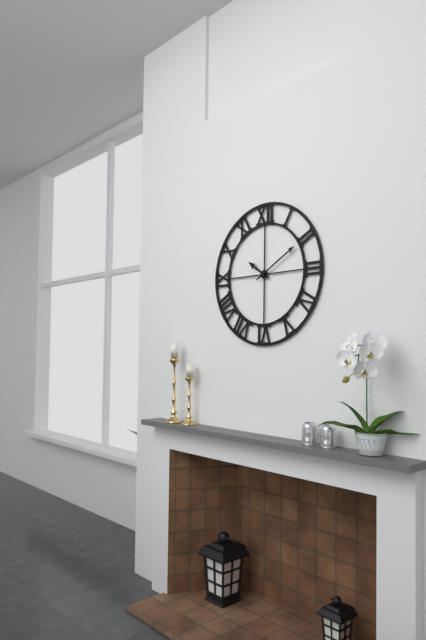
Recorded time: 10:10
